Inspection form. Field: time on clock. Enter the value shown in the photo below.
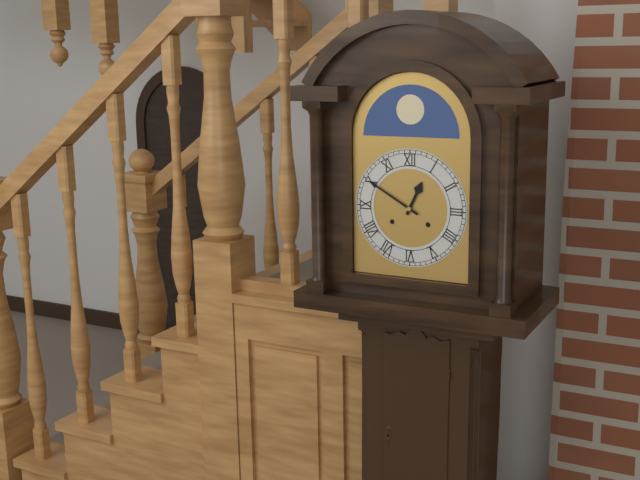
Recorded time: 12:50
